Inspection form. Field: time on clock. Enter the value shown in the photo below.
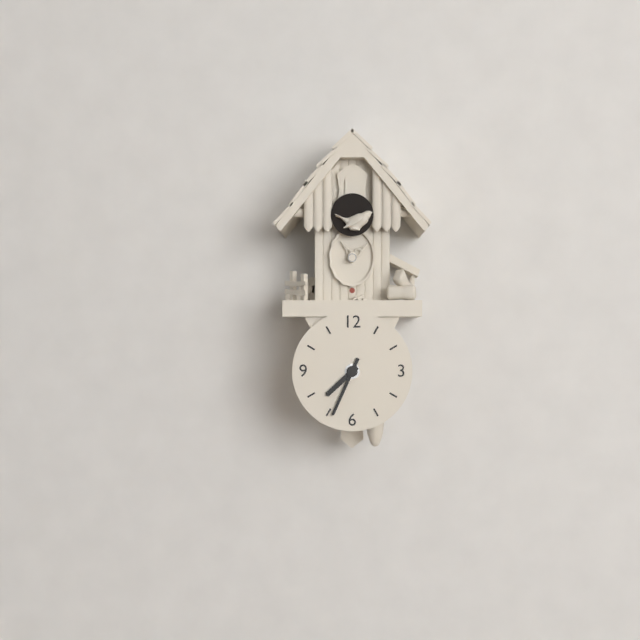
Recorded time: 7:34
